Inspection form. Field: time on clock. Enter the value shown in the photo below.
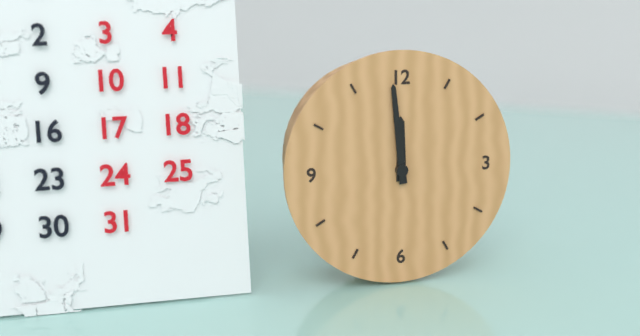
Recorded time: 11:59
